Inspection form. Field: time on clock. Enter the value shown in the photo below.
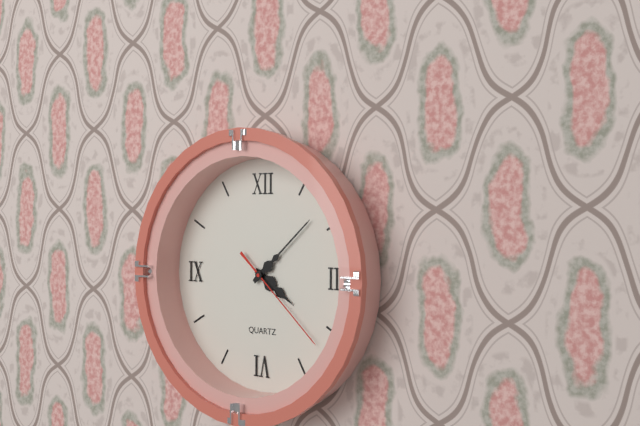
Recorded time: 4:08:22
